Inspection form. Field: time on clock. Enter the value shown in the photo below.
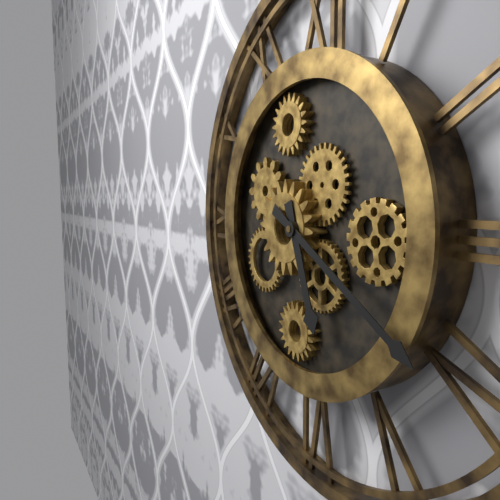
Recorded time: 5:20
